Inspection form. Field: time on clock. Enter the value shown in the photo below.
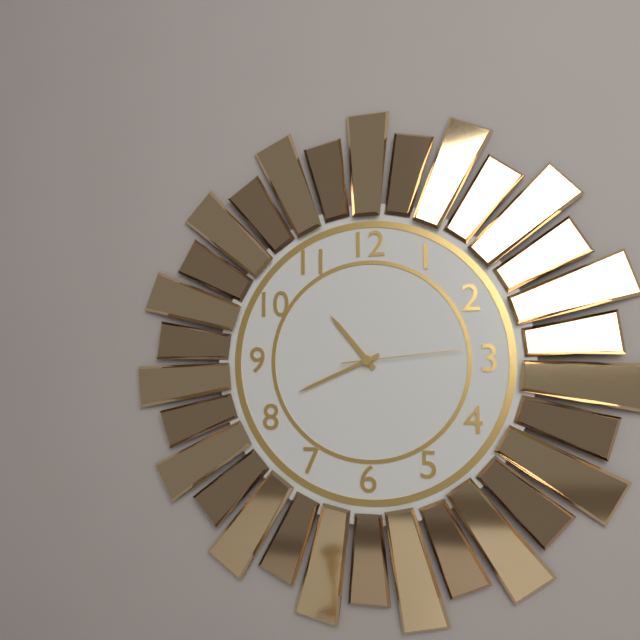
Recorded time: 10:41:14
